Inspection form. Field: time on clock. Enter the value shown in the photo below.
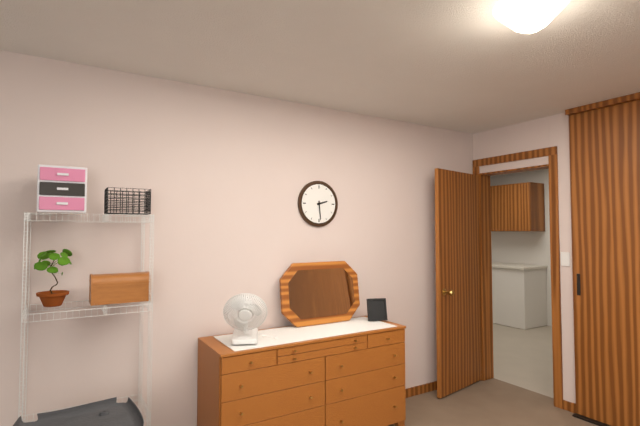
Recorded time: 2:29
